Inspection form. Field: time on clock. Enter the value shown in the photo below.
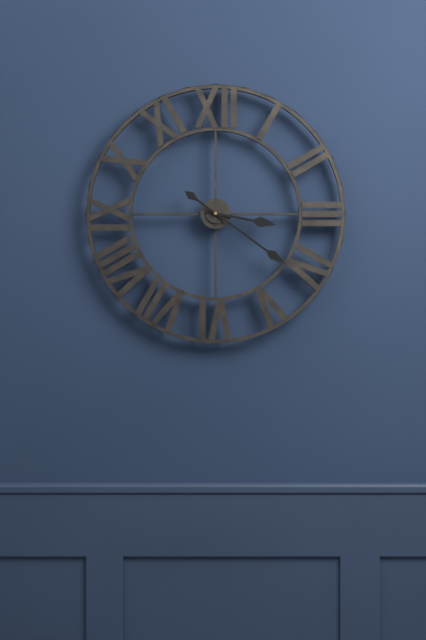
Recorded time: 3:21
